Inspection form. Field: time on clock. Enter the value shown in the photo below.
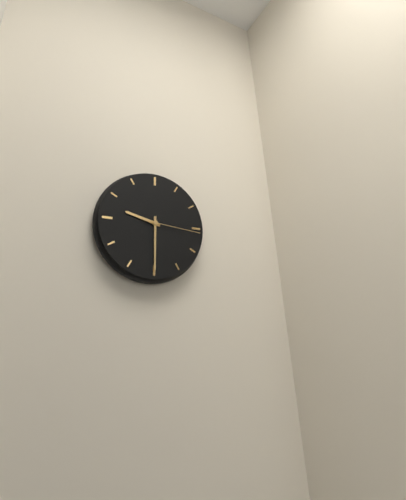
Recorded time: 9:30:16
